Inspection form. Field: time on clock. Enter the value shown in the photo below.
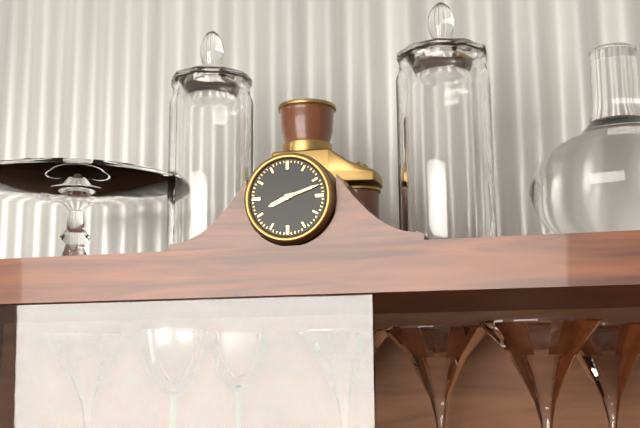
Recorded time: 8:12
